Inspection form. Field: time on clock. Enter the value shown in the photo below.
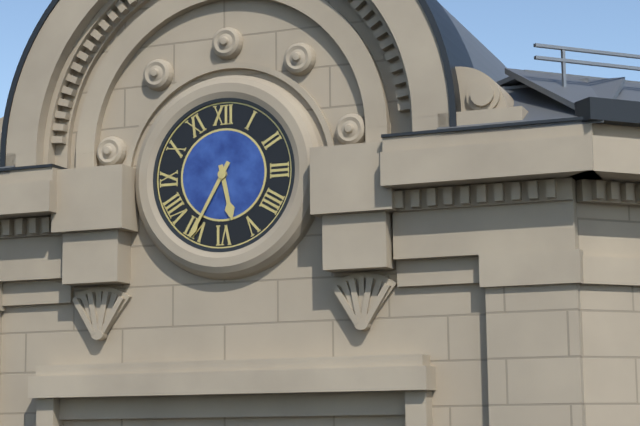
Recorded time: 5:35
